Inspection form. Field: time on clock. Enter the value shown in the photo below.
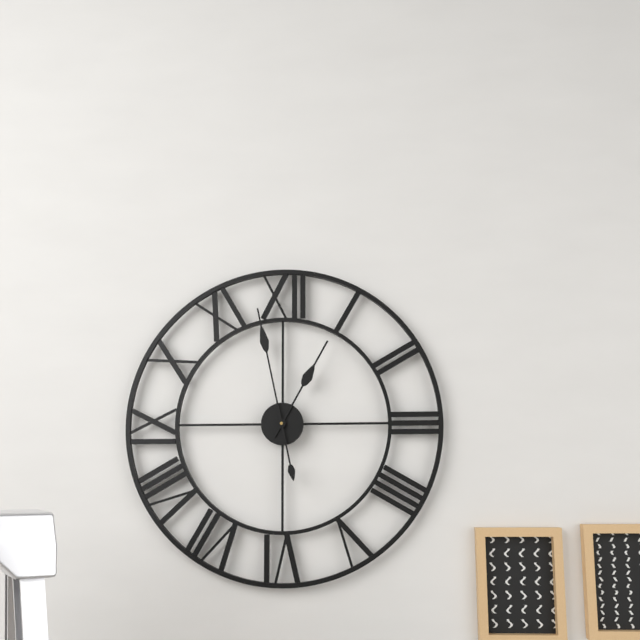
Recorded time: 12:58
